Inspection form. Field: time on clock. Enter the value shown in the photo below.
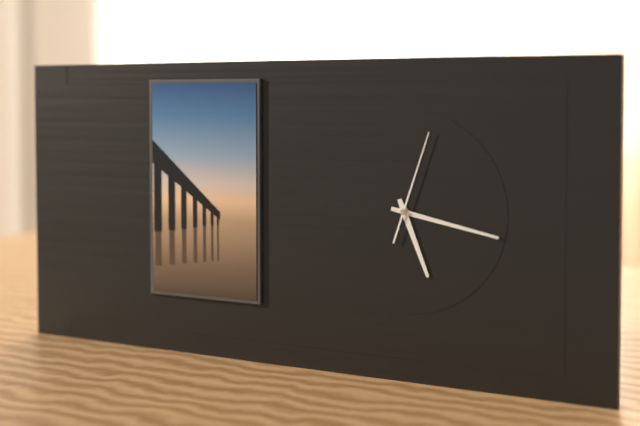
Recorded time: 5:17:03
